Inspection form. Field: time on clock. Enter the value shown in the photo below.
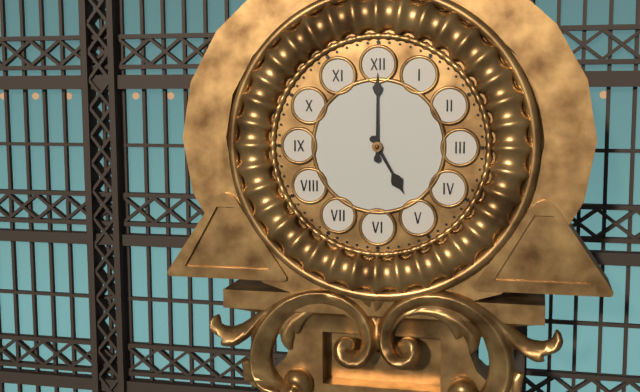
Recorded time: 5:00
